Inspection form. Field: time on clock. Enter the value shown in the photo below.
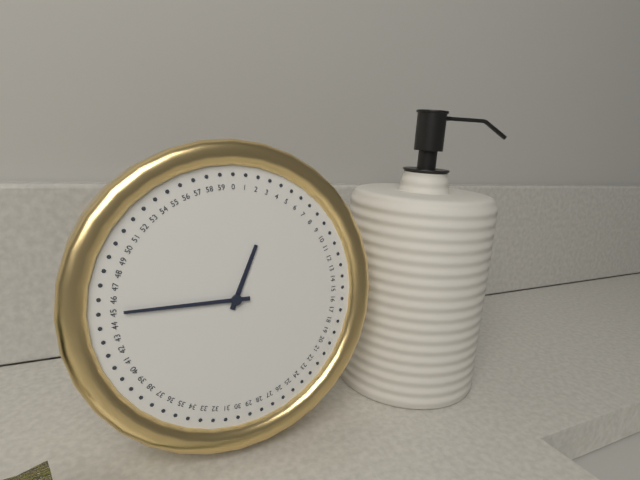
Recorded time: 12:45
